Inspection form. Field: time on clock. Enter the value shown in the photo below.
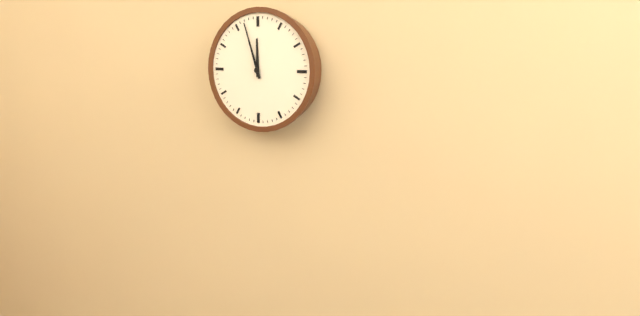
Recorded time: 11:57
